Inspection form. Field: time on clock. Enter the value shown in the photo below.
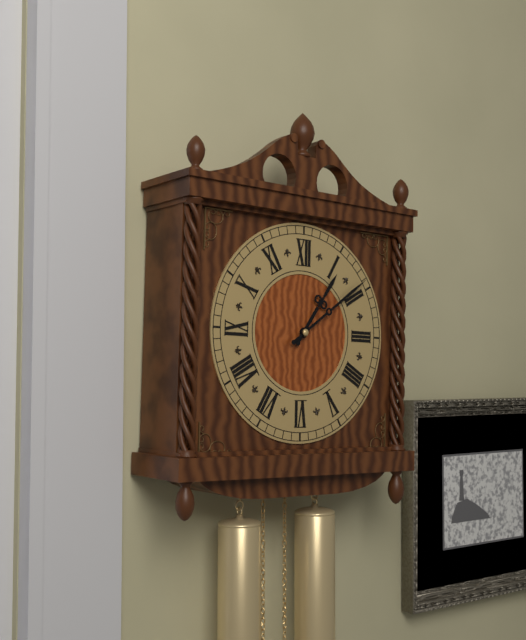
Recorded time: 1:09
